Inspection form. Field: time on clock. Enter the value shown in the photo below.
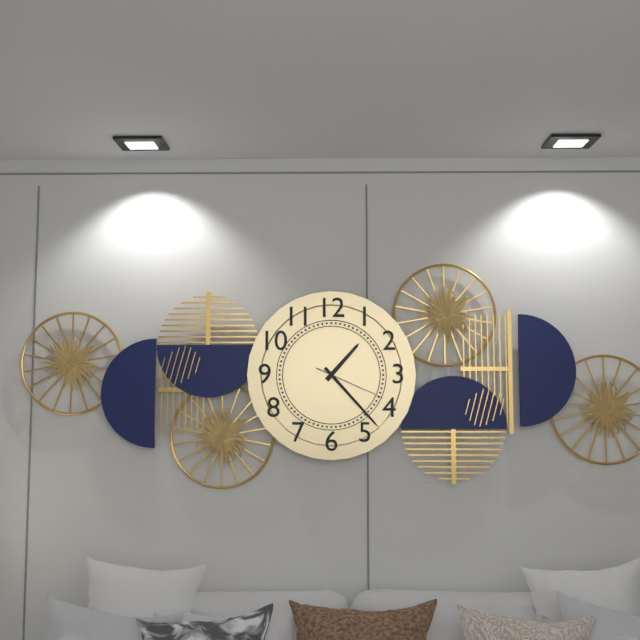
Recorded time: 1:23:19
